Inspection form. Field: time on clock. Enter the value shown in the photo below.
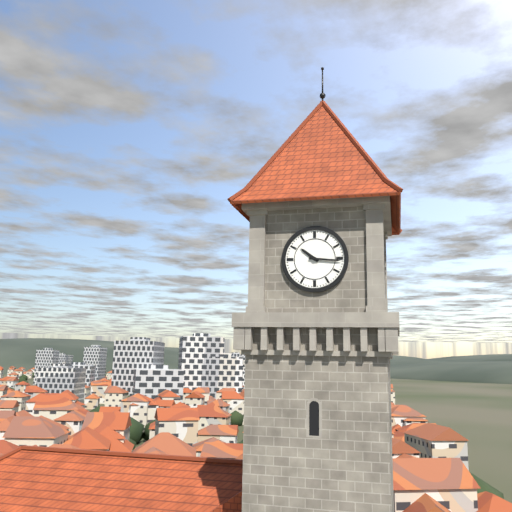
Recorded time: 10:16
